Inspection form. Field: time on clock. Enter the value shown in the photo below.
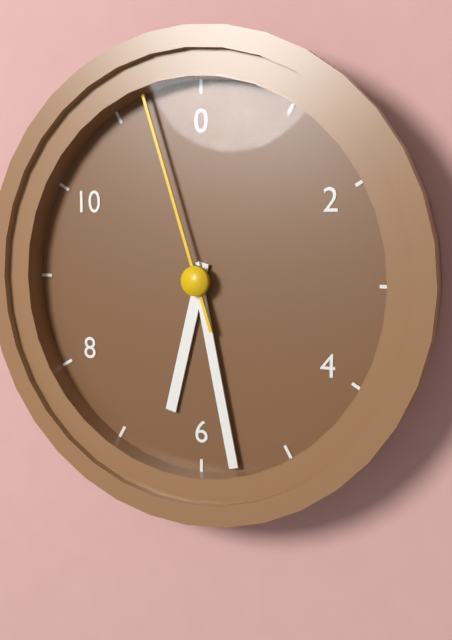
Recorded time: 6:28:57
